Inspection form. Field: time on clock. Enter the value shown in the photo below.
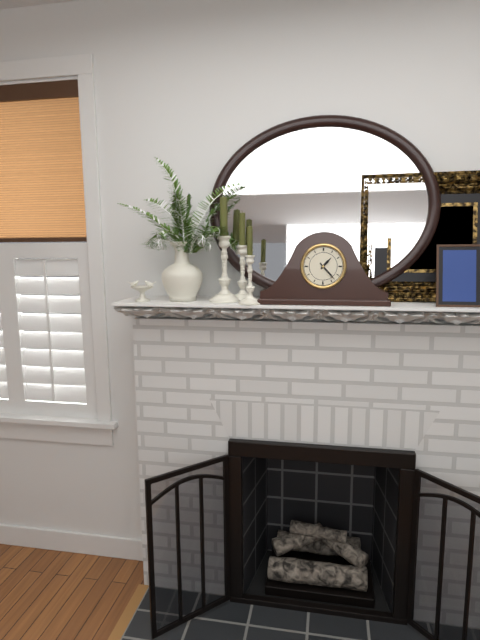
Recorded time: 1:23
